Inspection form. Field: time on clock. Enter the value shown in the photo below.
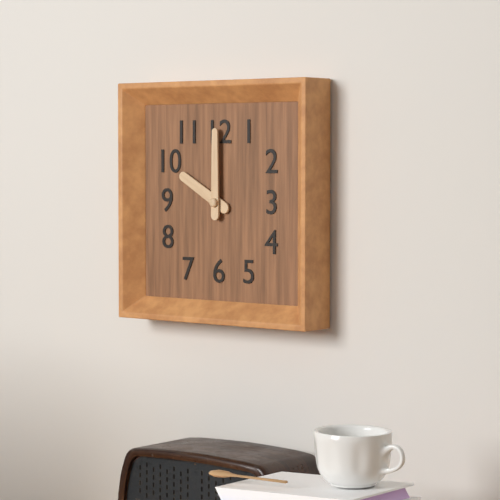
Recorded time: 10:00
